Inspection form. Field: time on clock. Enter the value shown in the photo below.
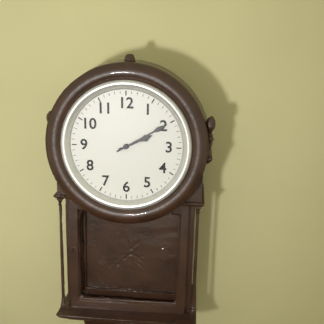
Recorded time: 2:10
